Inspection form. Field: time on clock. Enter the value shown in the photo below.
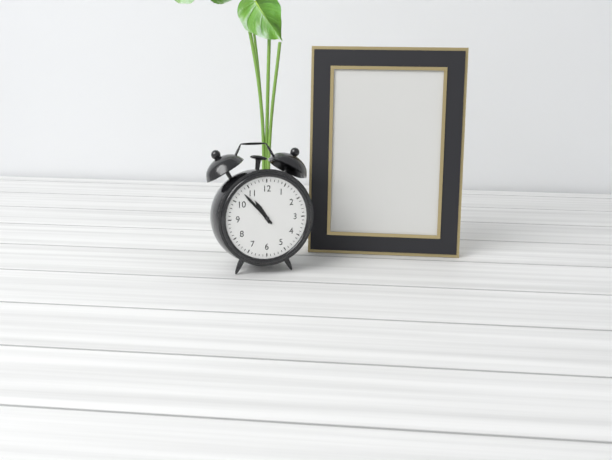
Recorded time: 10:53
